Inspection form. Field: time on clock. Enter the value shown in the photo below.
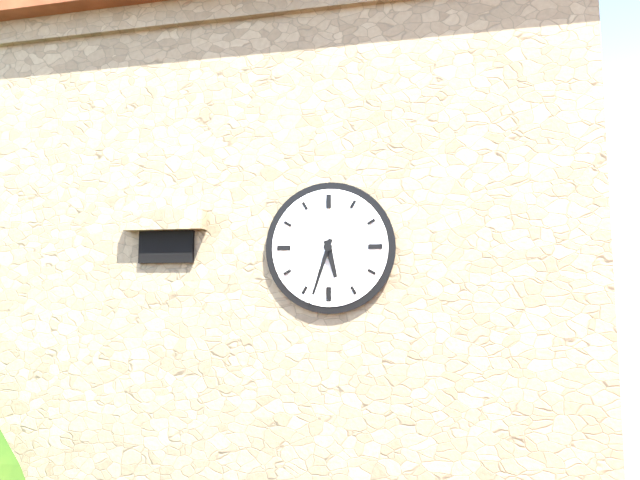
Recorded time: 5:33
